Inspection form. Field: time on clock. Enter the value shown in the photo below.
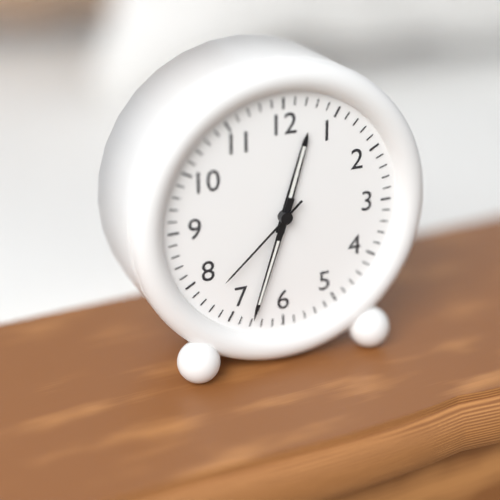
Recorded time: 12:33:38
